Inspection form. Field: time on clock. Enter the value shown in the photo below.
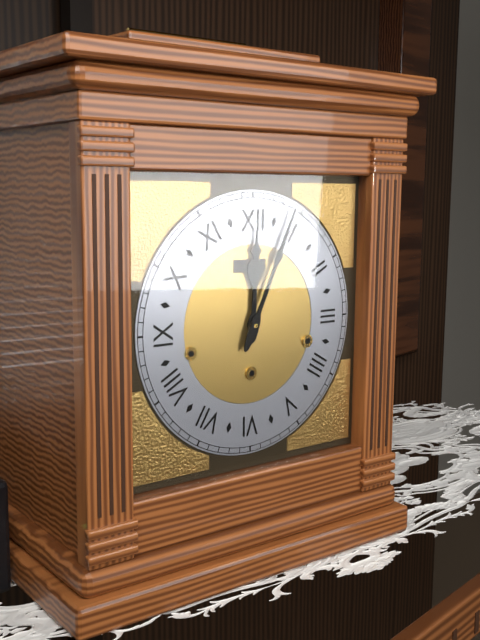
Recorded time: 12:04
